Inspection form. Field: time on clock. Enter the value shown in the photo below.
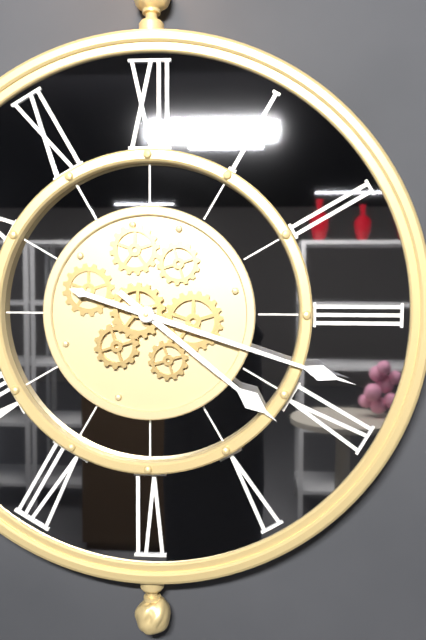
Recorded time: 4:18
